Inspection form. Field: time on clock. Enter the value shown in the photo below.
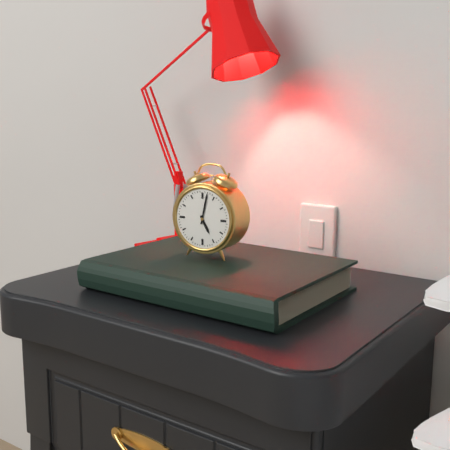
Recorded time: 5:02
